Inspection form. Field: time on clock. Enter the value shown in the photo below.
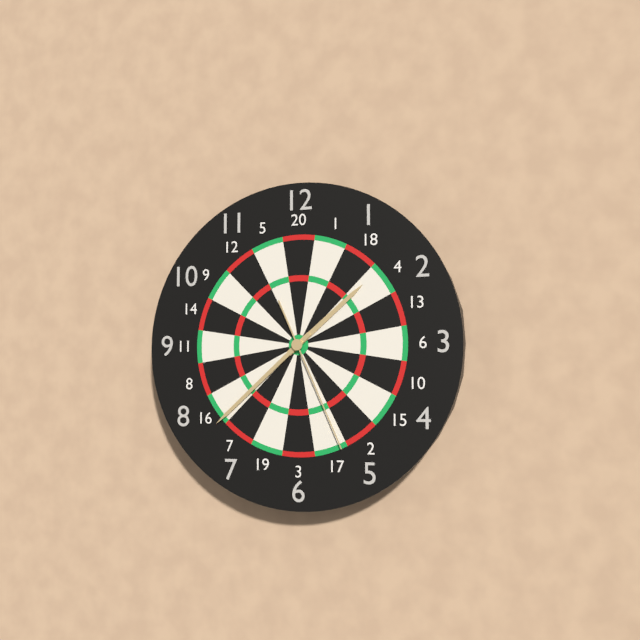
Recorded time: 1:38:26
